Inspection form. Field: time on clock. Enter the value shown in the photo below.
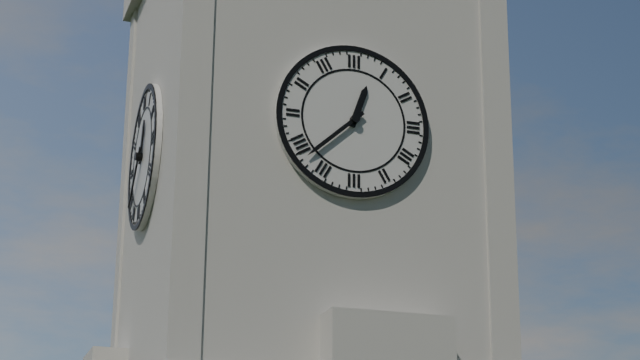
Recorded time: 12:38
